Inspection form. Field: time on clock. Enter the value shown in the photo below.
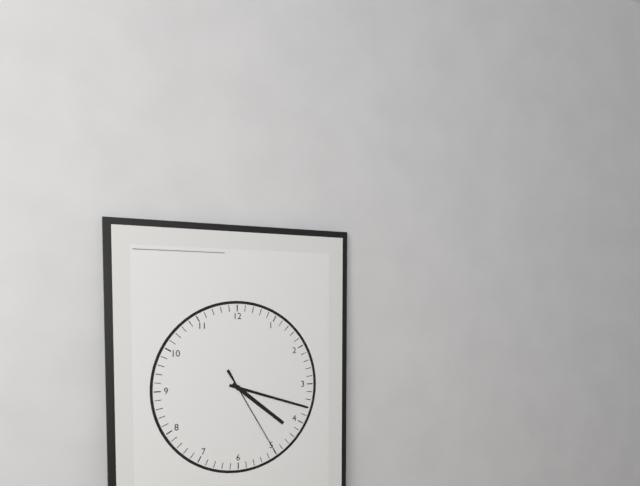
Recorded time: 4:18:25
